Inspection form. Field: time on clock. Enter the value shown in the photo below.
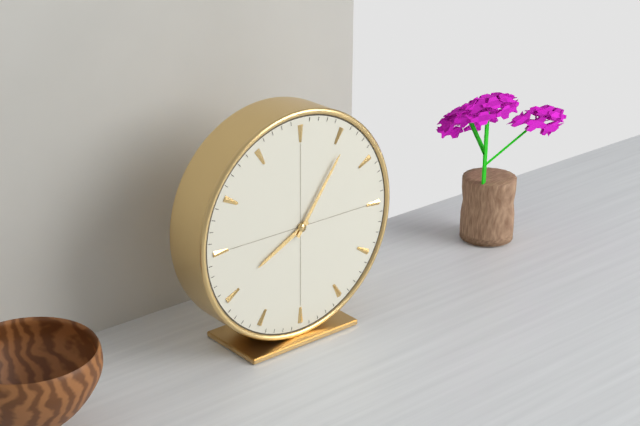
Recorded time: 8:06
